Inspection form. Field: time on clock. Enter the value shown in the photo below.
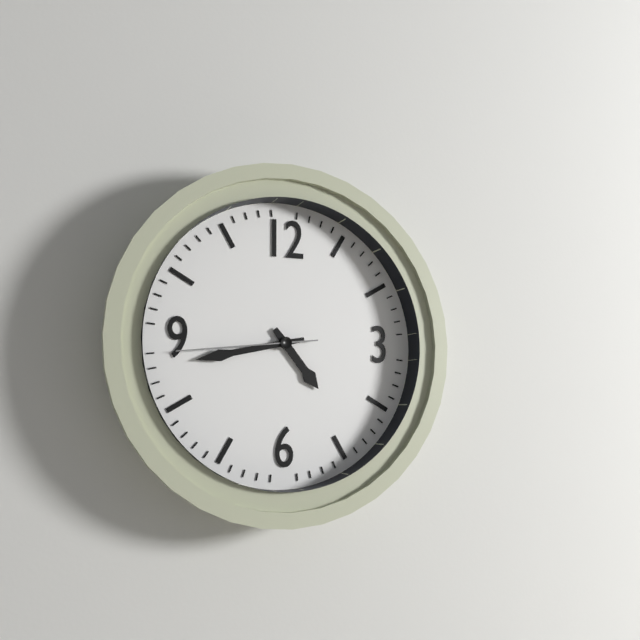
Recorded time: 4:43:44
